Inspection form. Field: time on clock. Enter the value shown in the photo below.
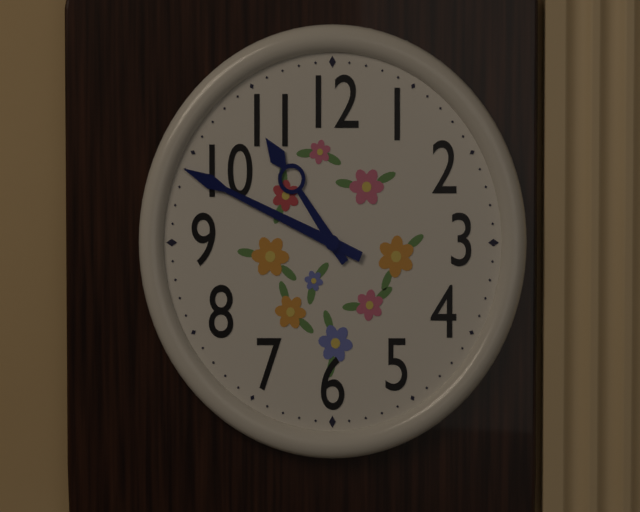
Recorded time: 10:49
